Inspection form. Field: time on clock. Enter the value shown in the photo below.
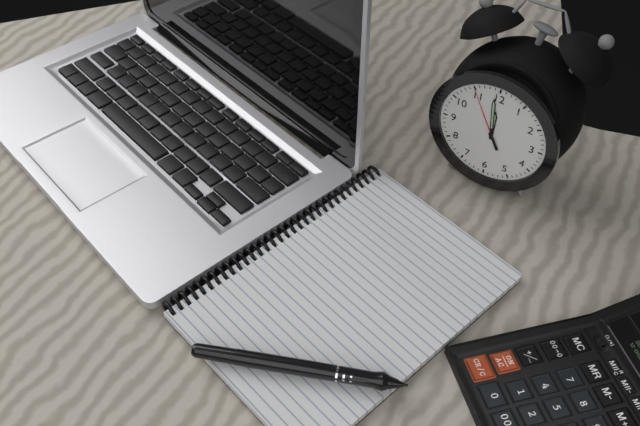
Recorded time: 11:59:55
